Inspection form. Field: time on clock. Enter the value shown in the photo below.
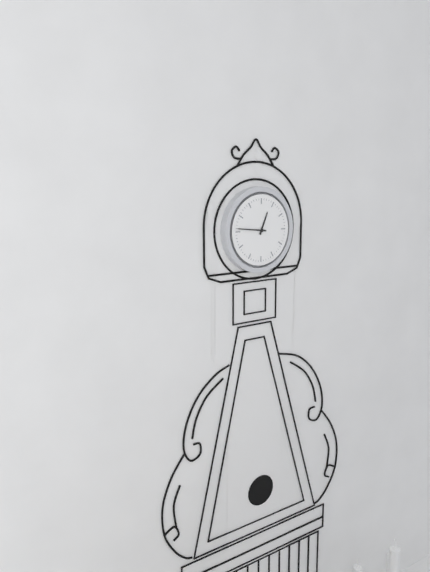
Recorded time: 12:46
